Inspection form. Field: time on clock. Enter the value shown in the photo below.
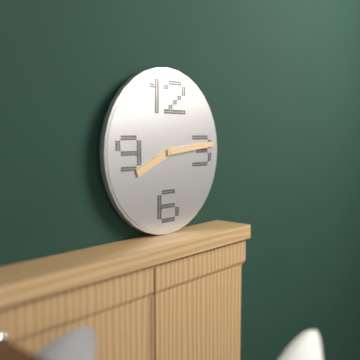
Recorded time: 8:14
